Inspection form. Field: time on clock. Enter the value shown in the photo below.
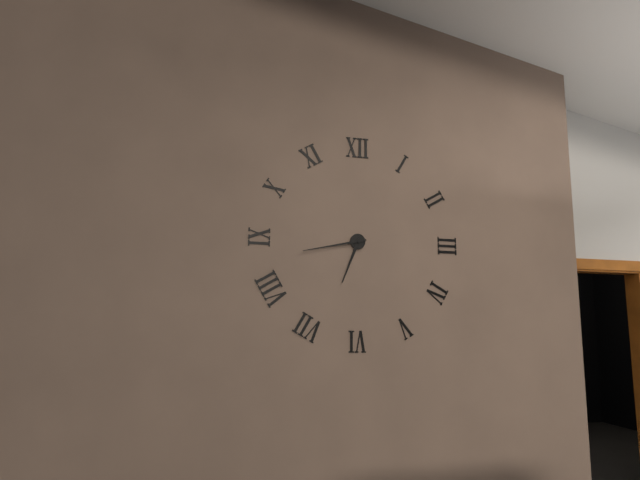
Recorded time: 6:43
